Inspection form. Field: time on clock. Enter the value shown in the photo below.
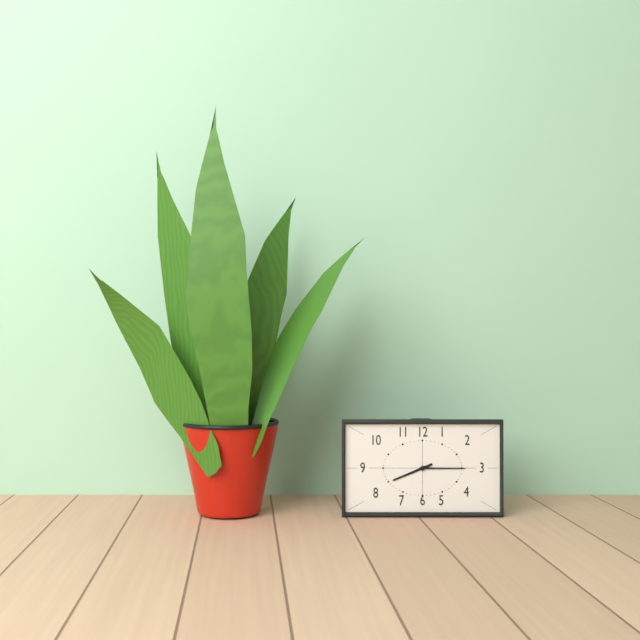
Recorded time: 8:15
